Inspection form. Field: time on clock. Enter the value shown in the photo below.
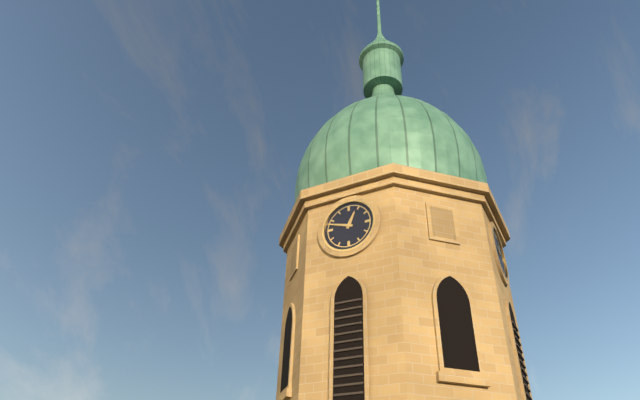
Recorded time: 12:48
